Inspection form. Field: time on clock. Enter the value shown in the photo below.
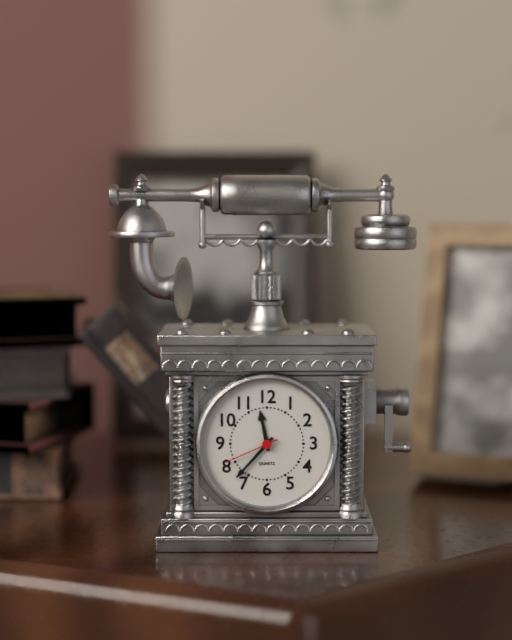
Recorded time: 11:37:41
